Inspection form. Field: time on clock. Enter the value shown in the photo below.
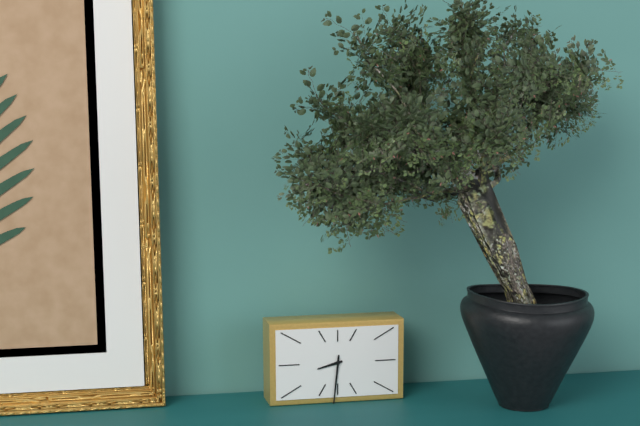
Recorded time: 8:31
